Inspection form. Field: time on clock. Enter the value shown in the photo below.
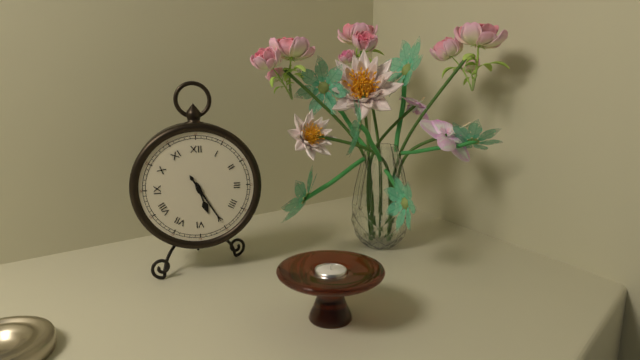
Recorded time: 5:25
